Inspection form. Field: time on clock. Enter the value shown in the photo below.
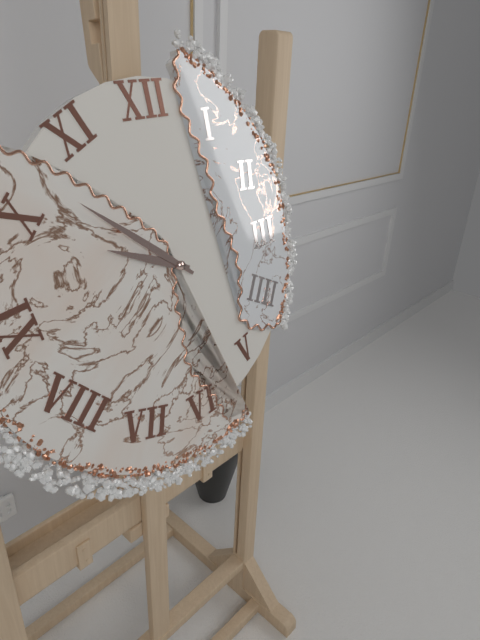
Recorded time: 9:52
